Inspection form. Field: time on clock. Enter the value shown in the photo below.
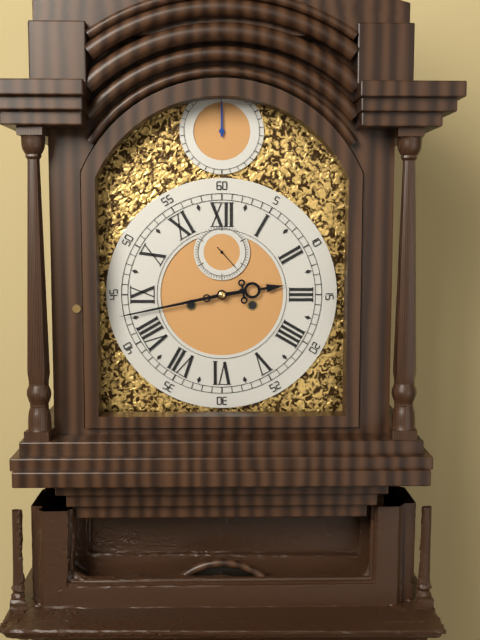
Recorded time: 2:43
